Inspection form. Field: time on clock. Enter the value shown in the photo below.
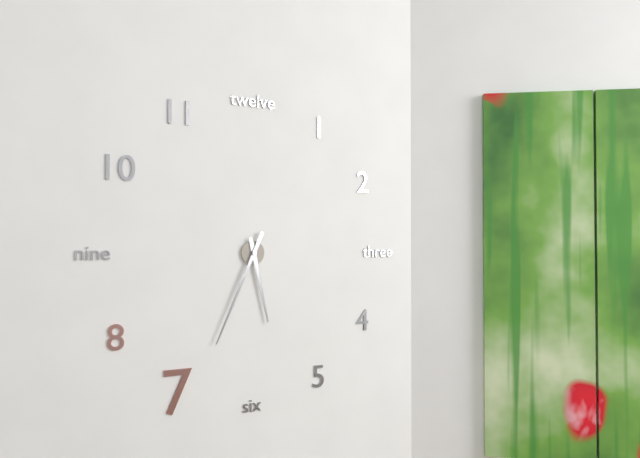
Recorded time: 5:34
